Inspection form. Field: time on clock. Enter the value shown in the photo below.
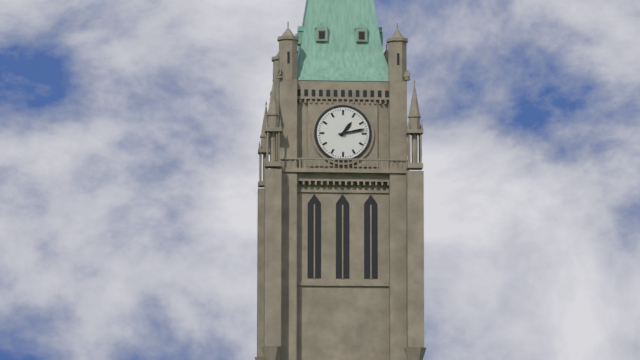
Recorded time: 1:13
